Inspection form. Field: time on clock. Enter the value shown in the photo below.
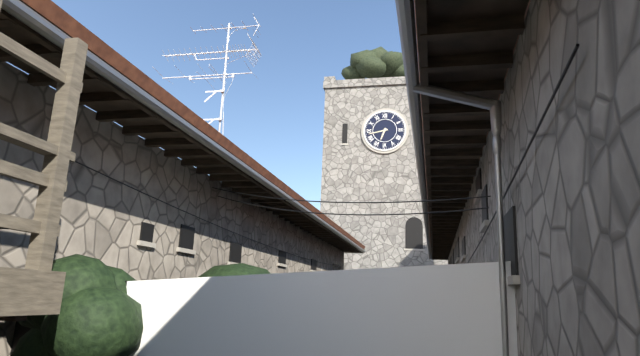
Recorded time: 6:43
